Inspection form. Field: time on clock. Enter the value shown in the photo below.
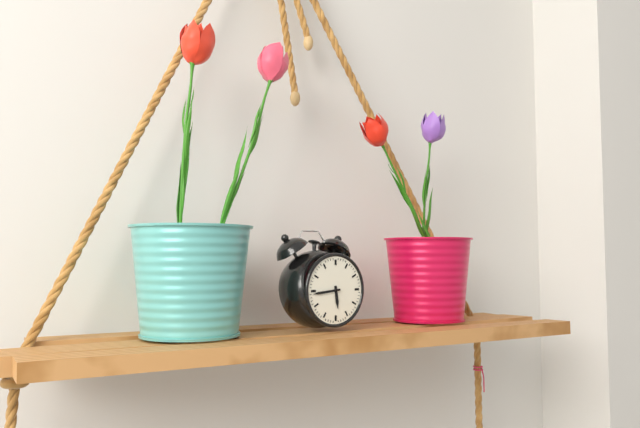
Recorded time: 5:44
